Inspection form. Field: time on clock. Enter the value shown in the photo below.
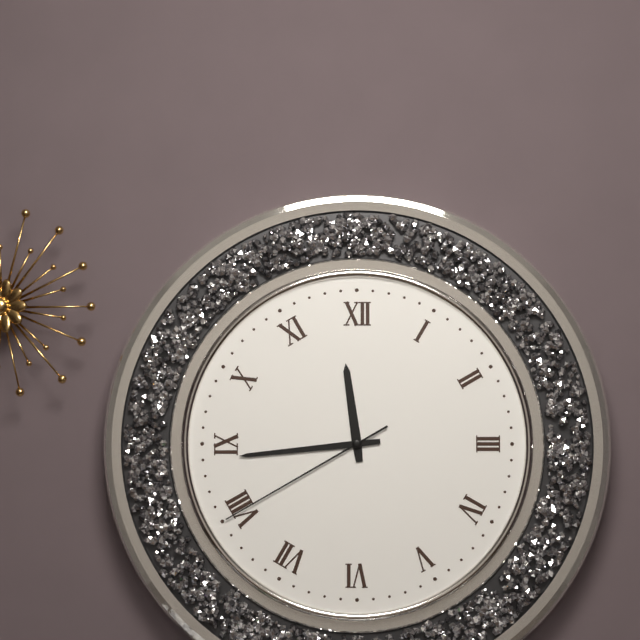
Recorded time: 11:44:40
